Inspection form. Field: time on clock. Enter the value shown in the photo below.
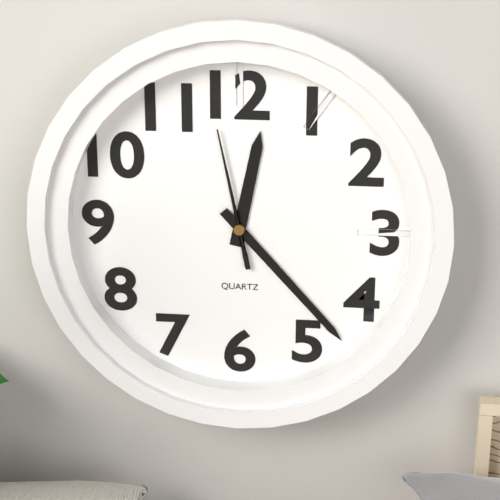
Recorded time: 12:23:58
